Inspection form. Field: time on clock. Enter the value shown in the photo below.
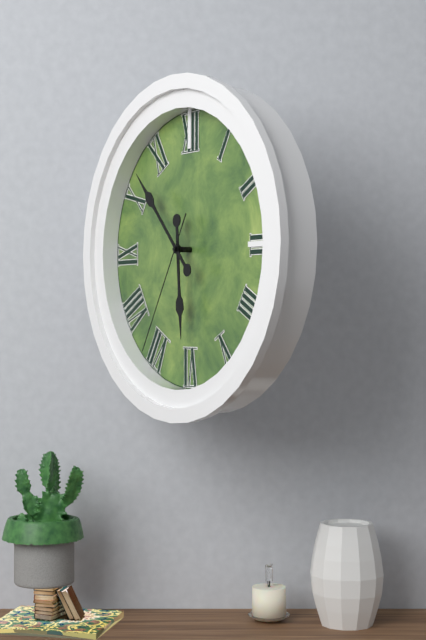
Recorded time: 5:53:35
